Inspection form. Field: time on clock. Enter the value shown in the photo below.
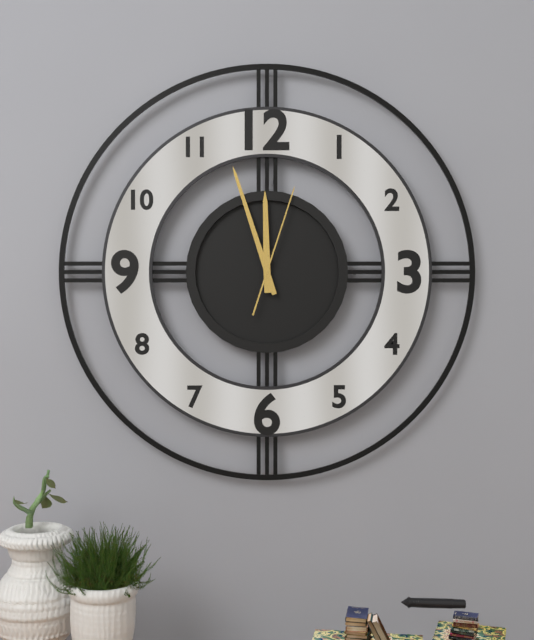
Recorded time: 11:57:03
